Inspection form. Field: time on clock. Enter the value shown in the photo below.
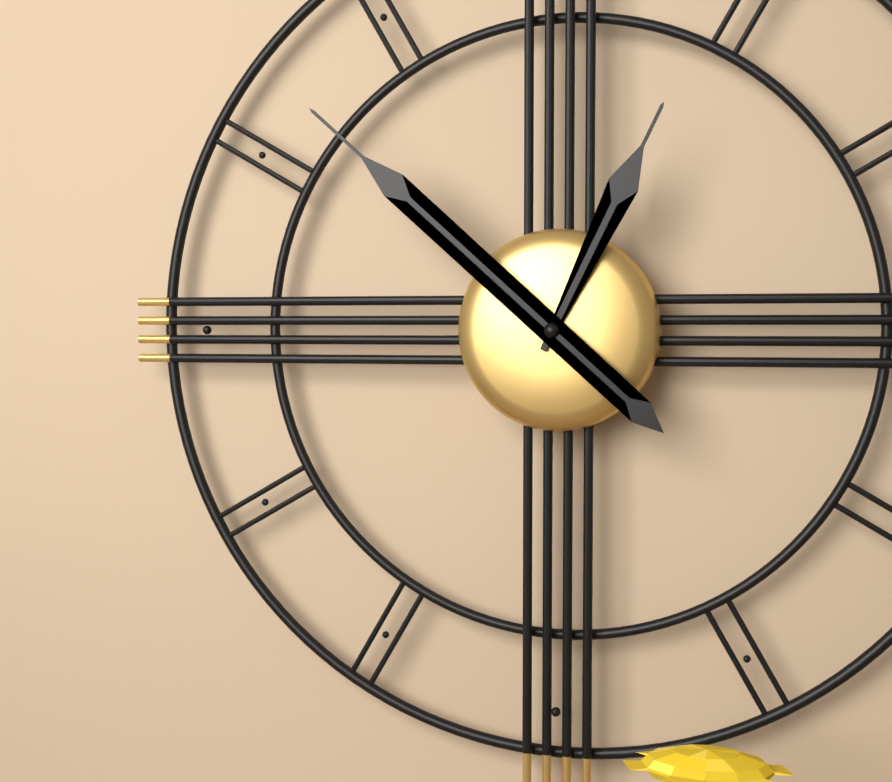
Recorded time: 12:52
